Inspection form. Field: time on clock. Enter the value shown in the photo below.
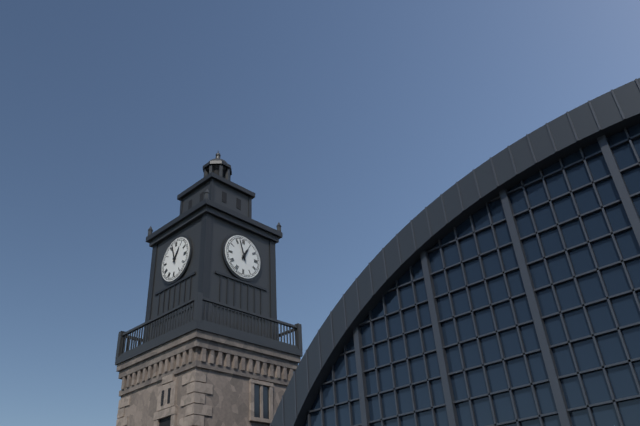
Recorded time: 12:57
